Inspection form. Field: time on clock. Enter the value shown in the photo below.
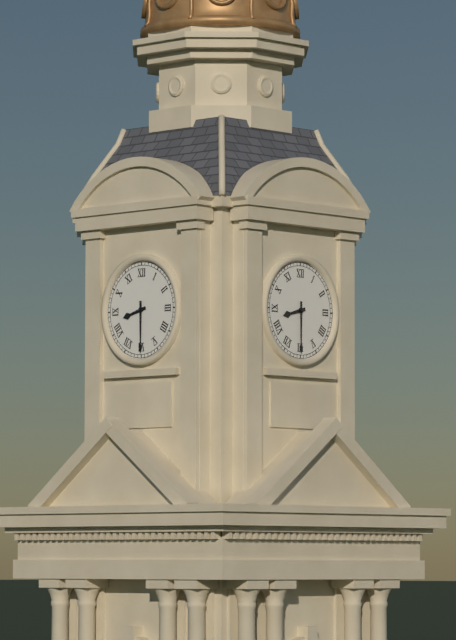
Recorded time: 8:30
